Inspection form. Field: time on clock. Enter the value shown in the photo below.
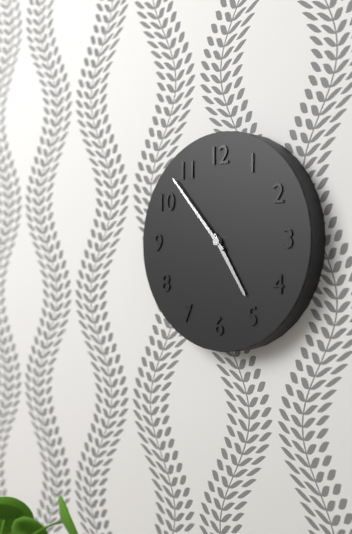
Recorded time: 4:53
